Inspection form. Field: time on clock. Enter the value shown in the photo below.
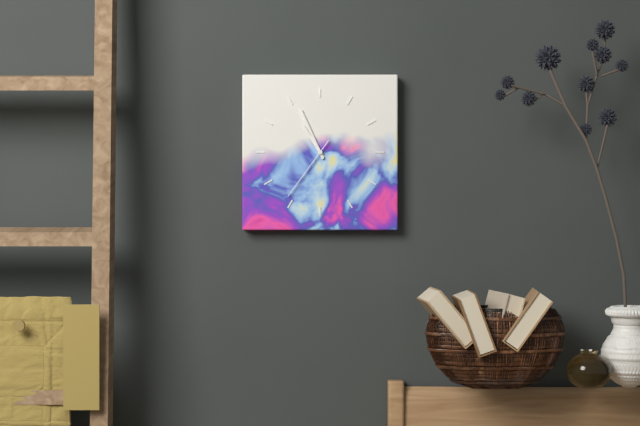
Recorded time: 10:56:36
